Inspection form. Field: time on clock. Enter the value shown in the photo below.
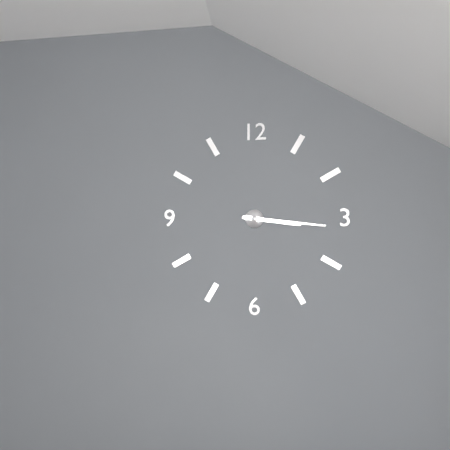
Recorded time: 3:16
